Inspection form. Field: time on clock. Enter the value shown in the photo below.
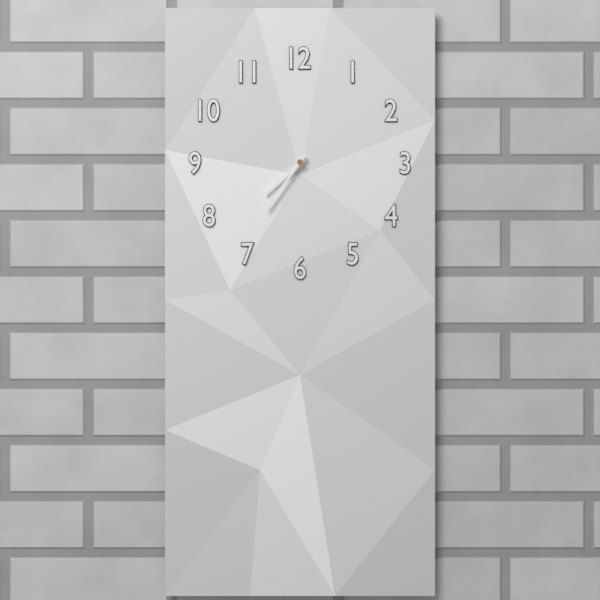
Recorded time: 7:36
